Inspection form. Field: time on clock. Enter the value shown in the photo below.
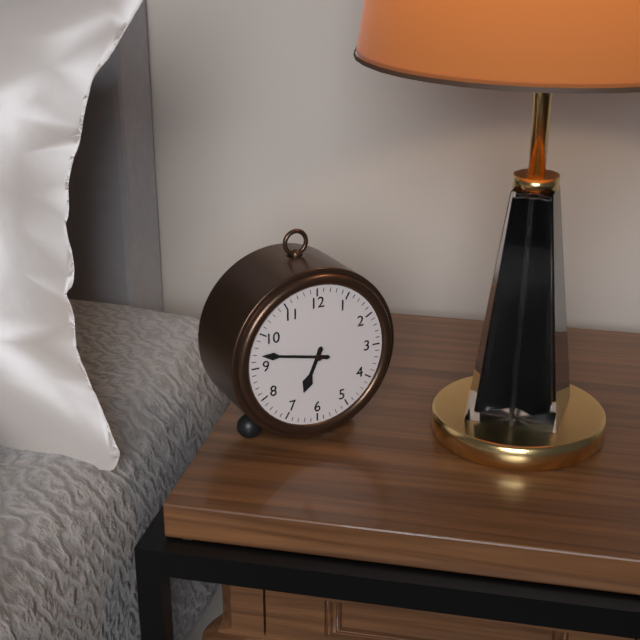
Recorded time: 6:47
